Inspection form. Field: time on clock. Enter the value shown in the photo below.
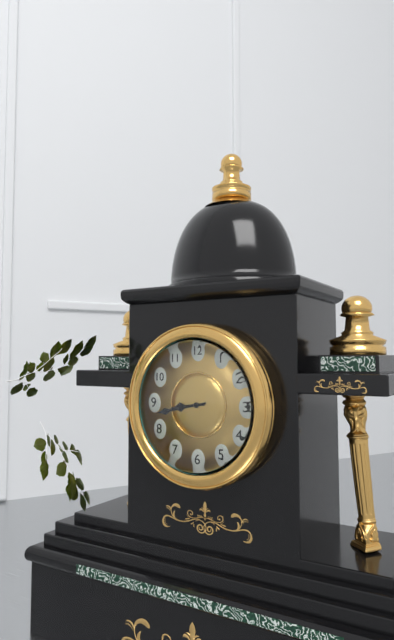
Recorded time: 8:43
